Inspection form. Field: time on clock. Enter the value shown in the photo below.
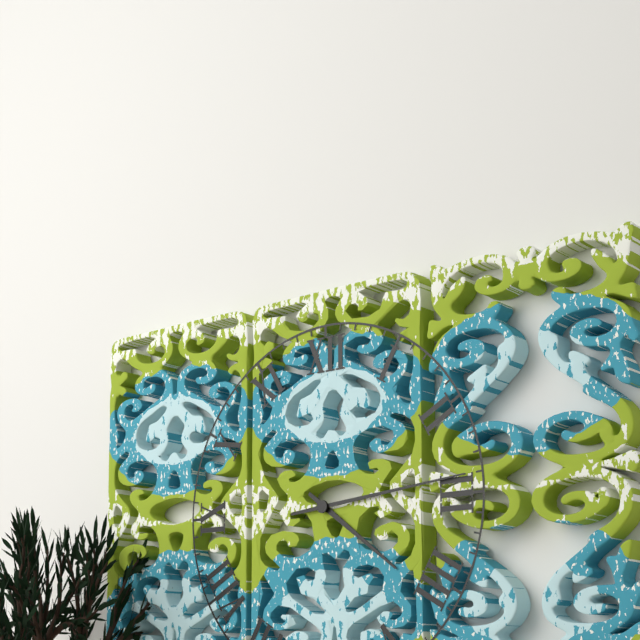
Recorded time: 4:14
